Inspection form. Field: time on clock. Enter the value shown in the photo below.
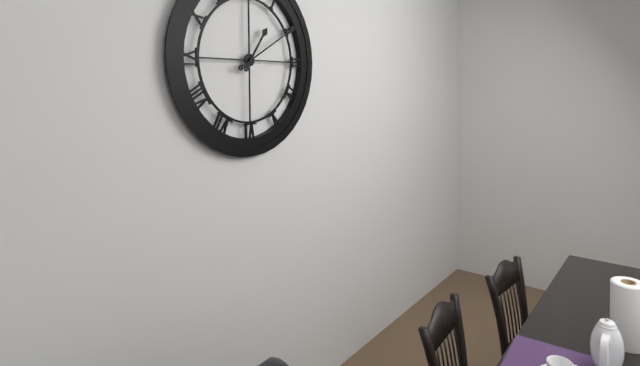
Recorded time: 1:10
